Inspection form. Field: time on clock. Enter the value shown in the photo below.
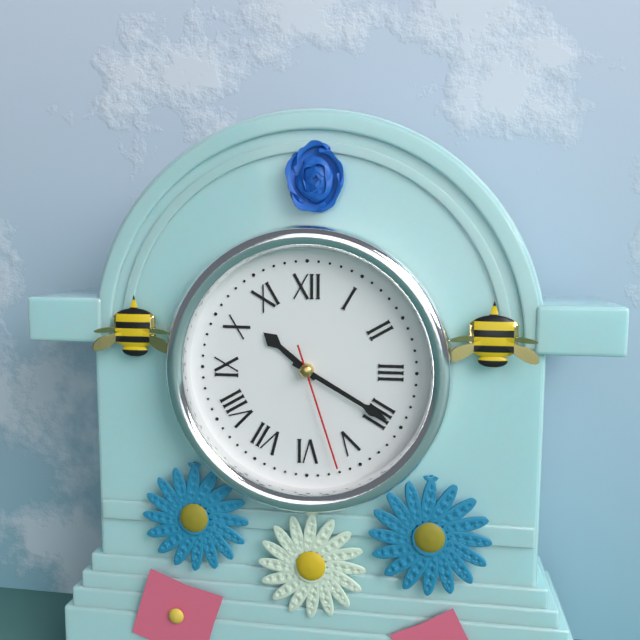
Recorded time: 10:20:27
